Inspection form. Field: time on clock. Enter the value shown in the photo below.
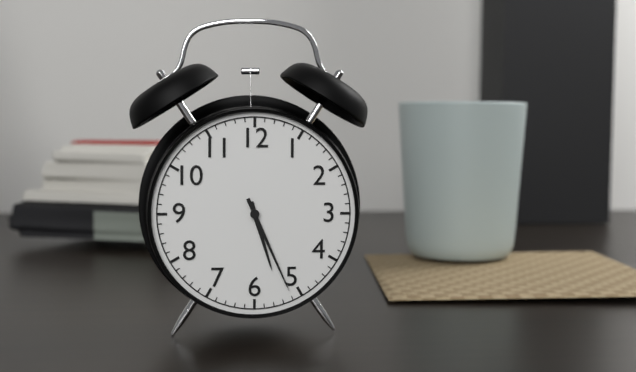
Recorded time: 5:26
